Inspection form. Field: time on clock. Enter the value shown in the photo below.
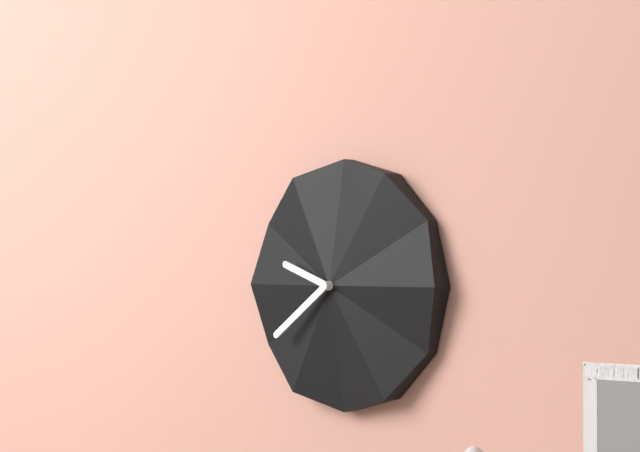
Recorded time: 9:39
